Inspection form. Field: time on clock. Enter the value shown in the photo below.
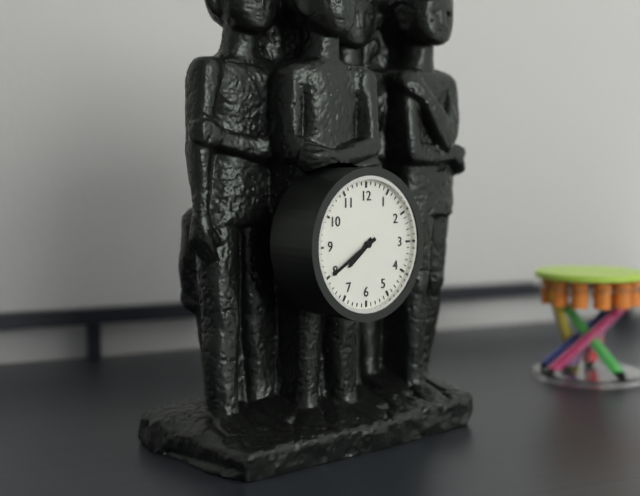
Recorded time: 7:40
